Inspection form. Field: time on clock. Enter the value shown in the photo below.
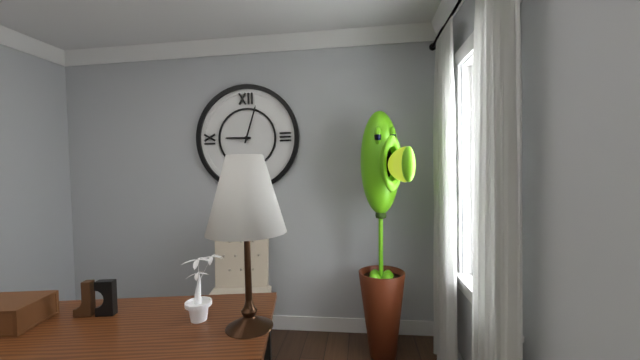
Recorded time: 9:03
